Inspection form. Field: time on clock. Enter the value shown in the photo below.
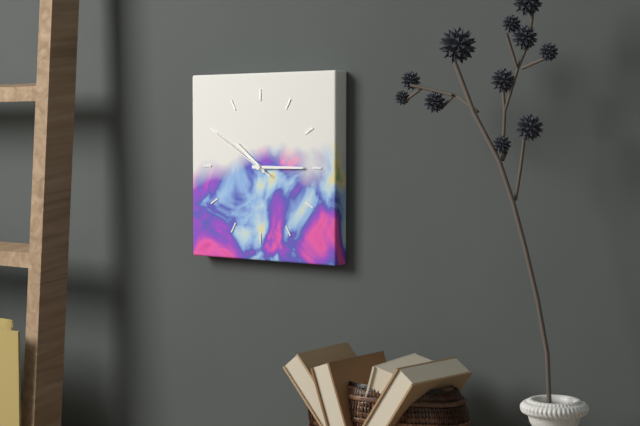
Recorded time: 10:15:50
